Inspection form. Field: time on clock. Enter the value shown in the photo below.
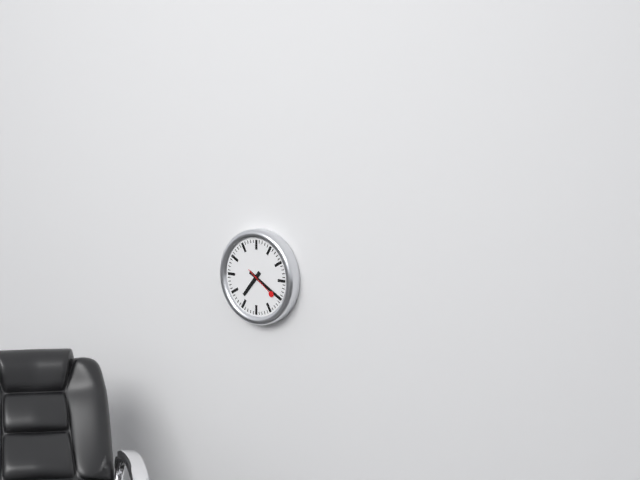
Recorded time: 7:20
